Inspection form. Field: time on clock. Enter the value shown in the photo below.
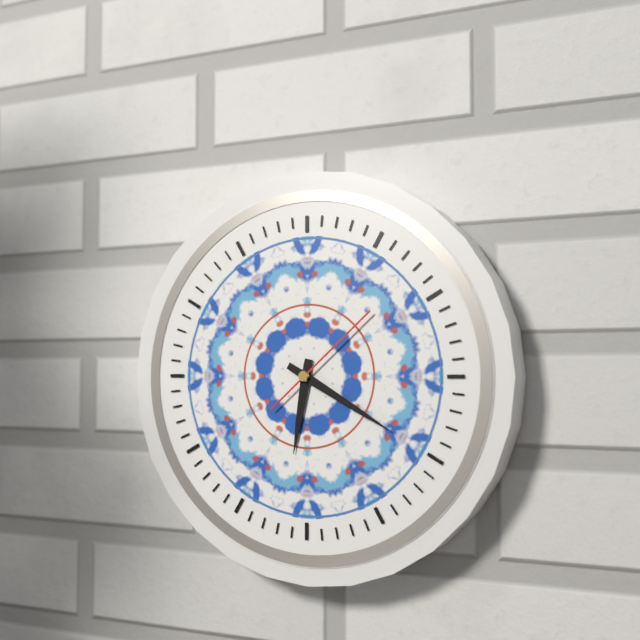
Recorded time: 6:20:08
